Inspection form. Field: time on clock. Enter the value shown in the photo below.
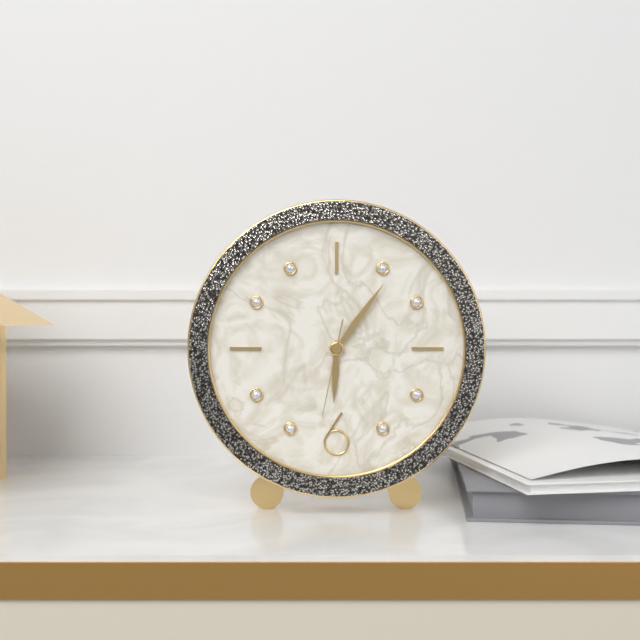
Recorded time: 6:06:32
